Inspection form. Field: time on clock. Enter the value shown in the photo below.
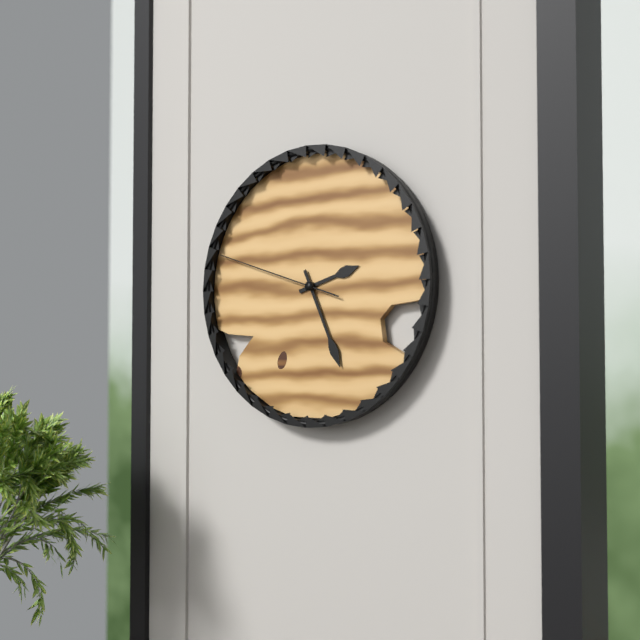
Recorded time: 2:26:48
